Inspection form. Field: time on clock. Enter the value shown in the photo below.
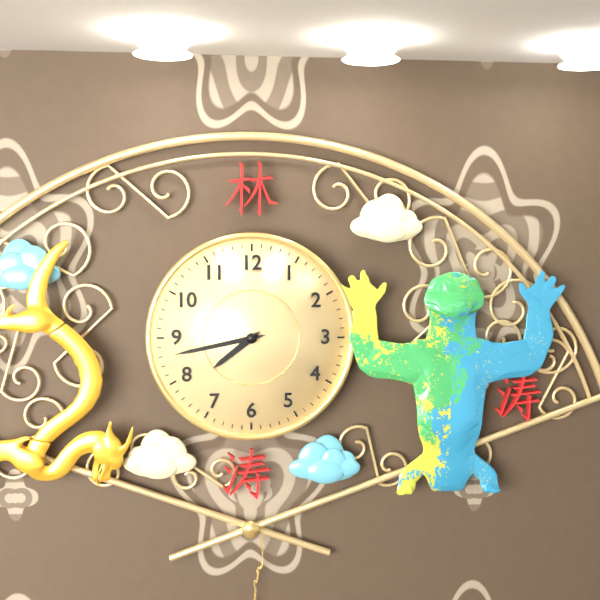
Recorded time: 7:43
